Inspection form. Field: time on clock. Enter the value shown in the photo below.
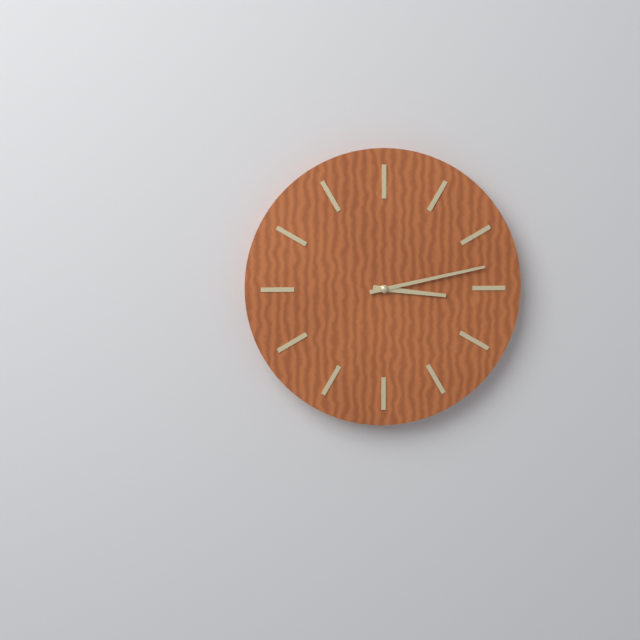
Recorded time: 3:13
